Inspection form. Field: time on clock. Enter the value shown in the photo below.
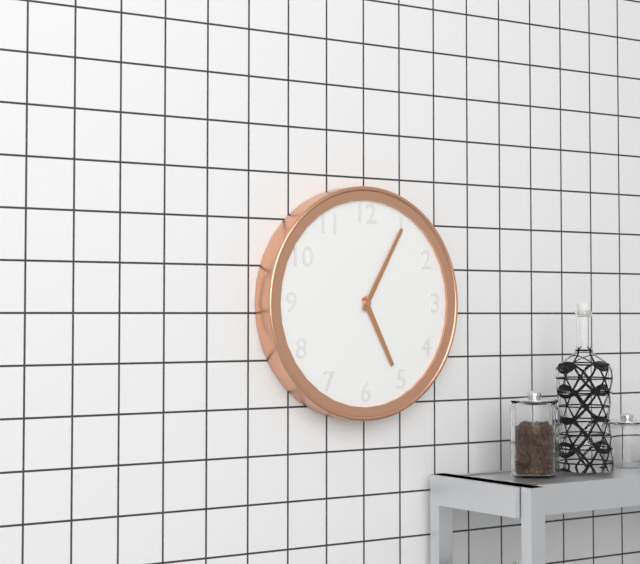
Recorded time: 5:05
